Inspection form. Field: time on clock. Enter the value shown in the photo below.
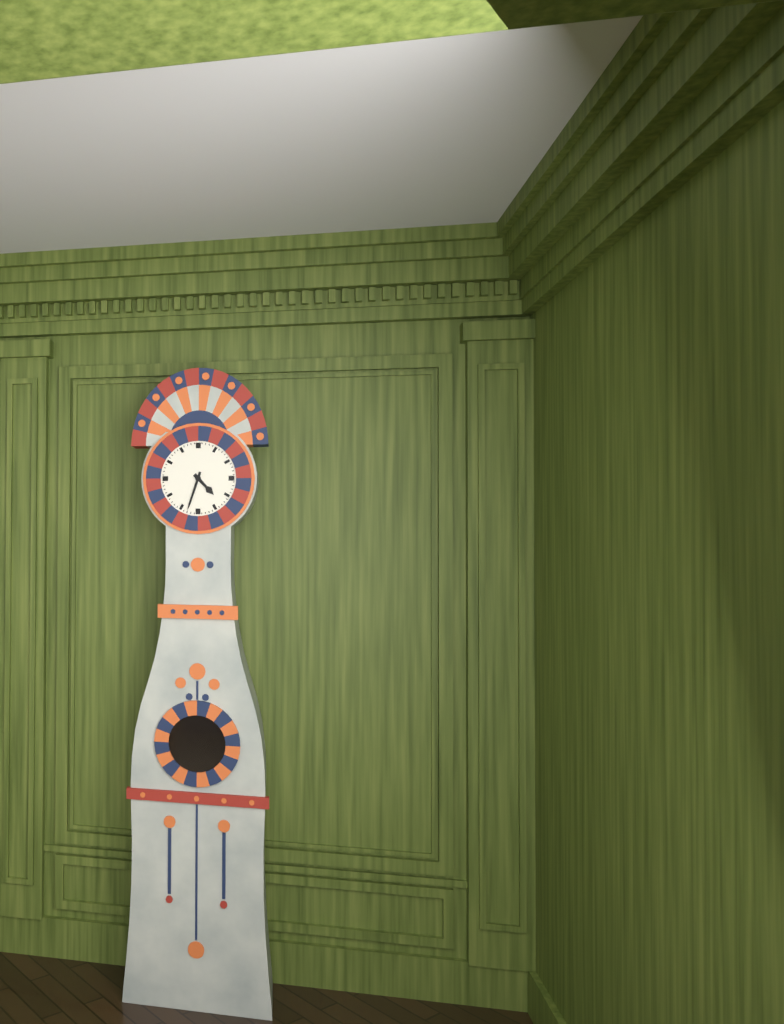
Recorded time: 4:33
